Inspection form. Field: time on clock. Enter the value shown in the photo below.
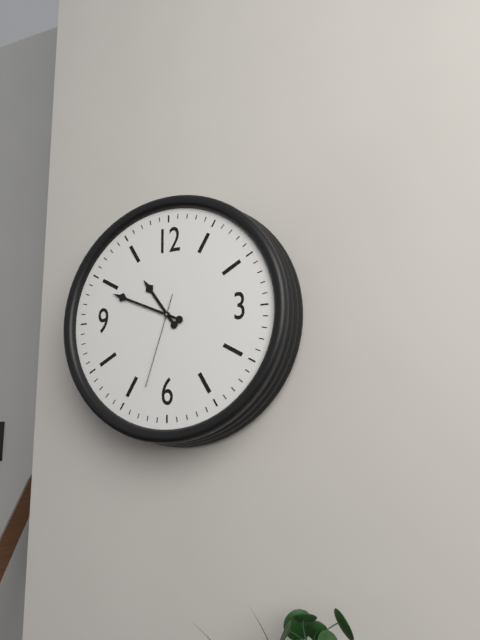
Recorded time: 10:49:33
